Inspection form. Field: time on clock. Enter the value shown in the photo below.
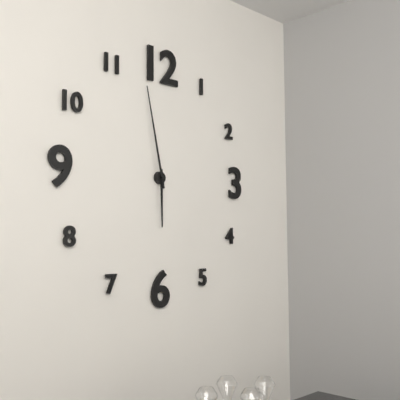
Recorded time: 5:58
